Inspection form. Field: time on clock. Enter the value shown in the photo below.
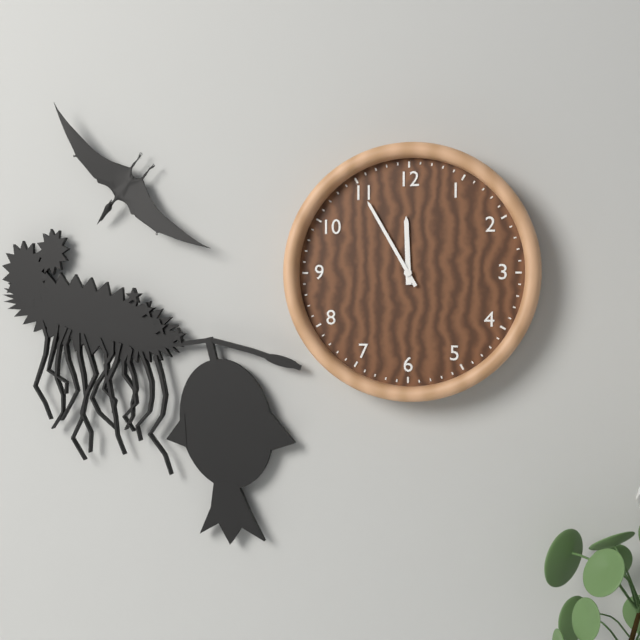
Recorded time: 11:55
